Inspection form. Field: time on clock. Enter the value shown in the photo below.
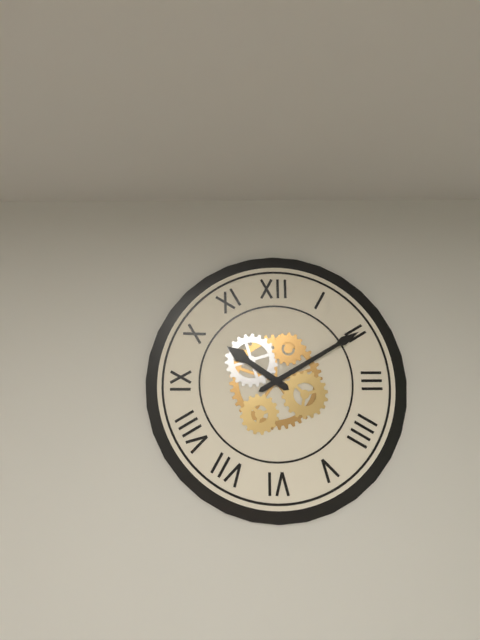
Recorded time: 10:10
